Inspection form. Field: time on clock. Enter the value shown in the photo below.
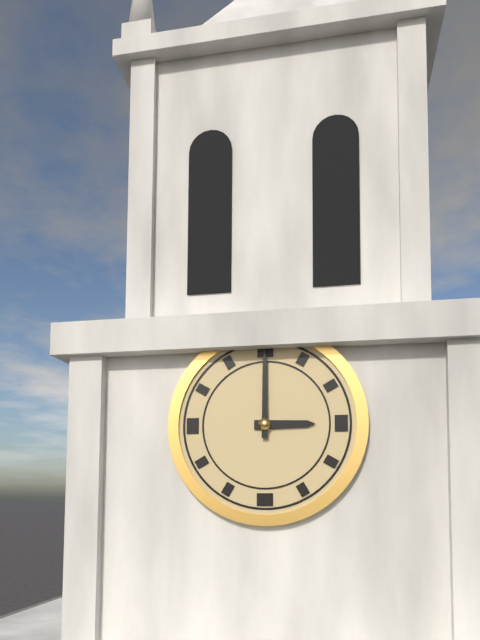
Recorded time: 3:00
